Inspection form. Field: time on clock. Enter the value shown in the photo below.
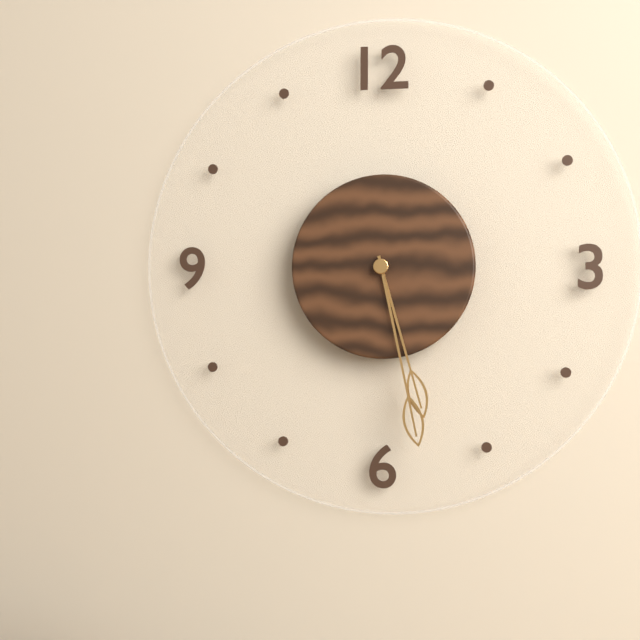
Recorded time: 5:28
